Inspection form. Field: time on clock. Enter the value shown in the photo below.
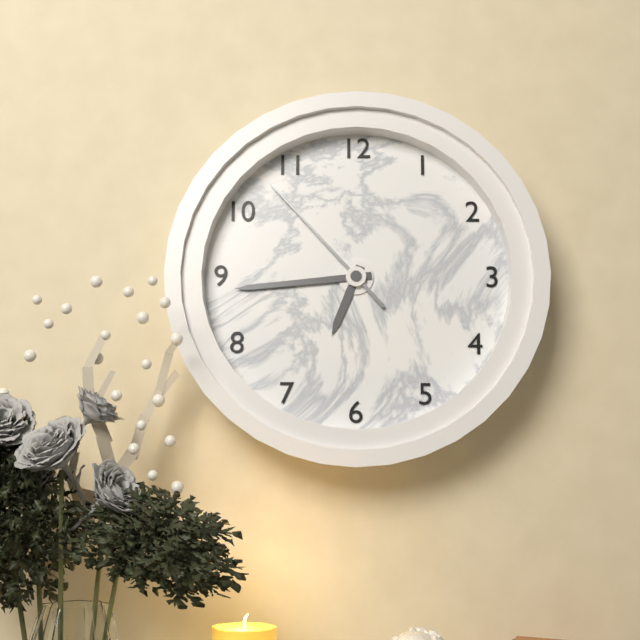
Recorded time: 6:44:53
